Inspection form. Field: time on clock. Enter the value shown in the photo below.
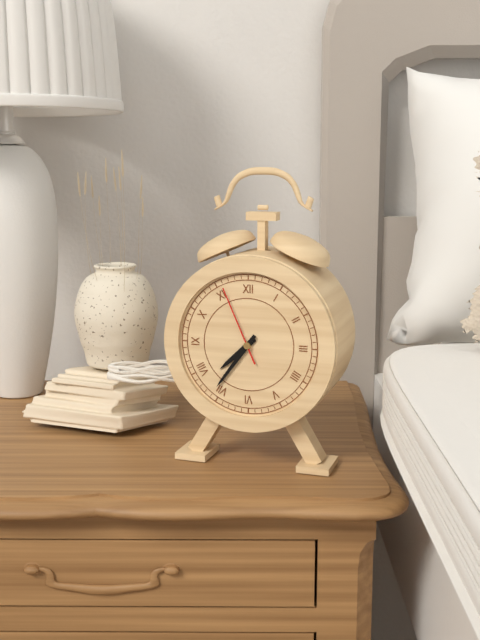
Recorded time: 7:36:56
